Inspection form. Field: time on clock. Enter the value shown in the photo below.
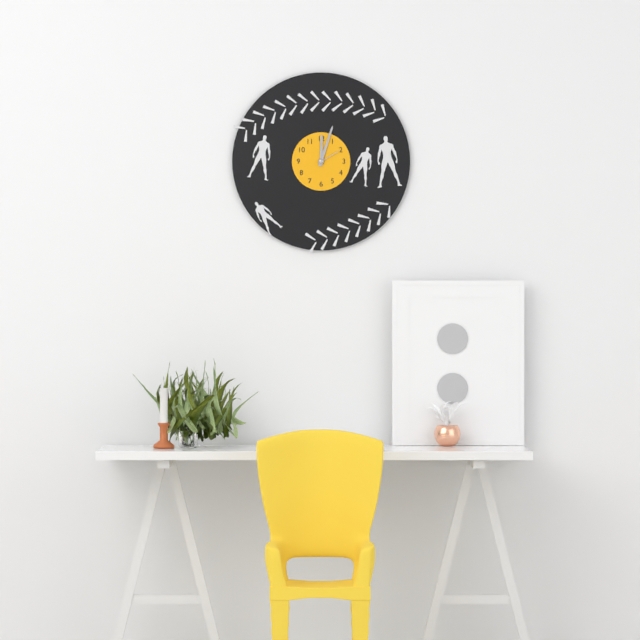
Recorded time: 12:03
